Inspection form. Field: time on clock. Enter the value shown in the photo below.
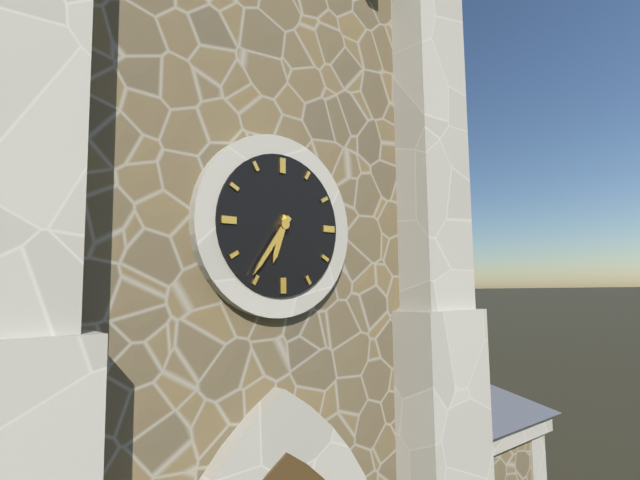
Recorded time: 6:36
